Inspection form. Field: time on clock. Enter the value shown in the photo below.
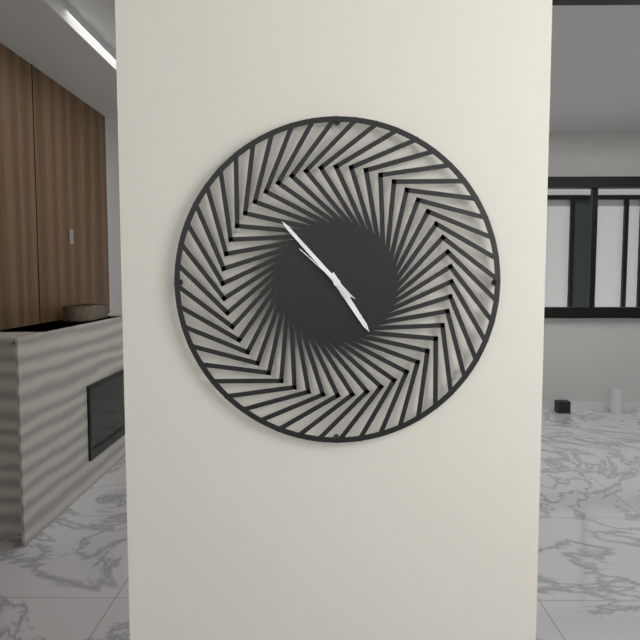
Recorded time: 4:53:52
